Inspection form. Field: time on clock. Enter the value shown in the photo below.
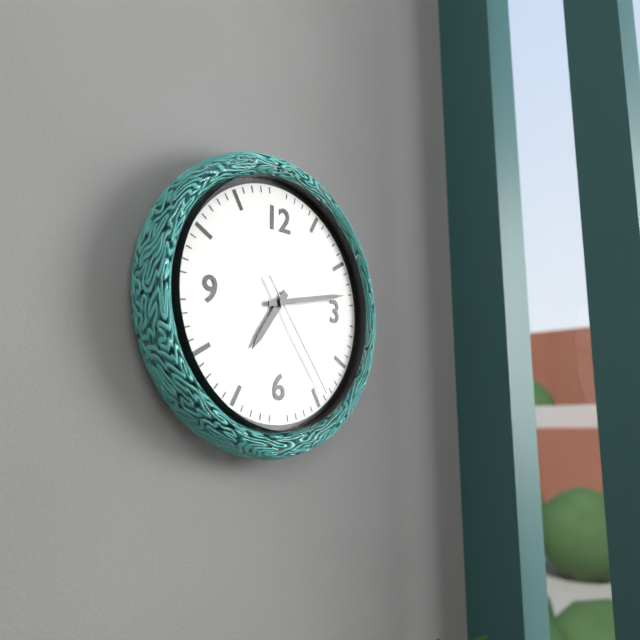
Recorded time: 7:13:24
